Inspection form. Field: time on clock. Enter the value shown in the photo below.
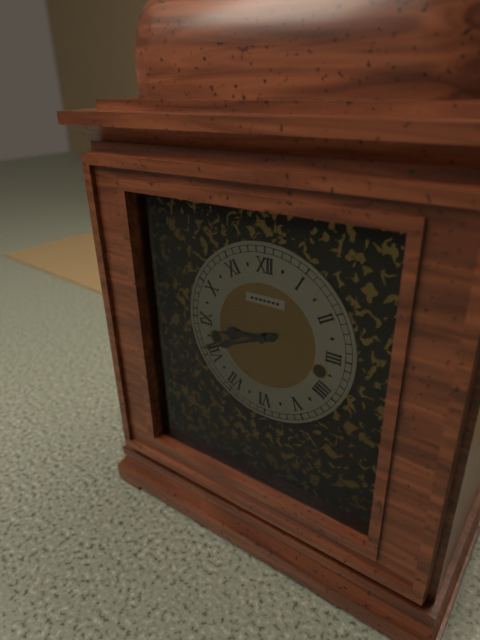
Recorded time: 8:41
